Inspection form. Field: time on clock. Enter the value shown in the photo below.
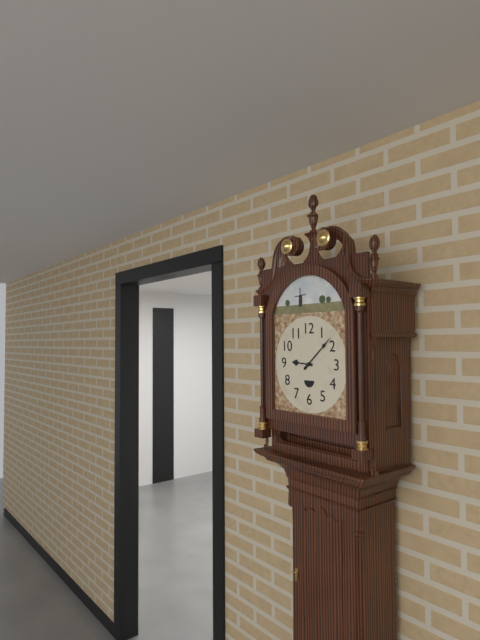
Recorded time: 9:08
